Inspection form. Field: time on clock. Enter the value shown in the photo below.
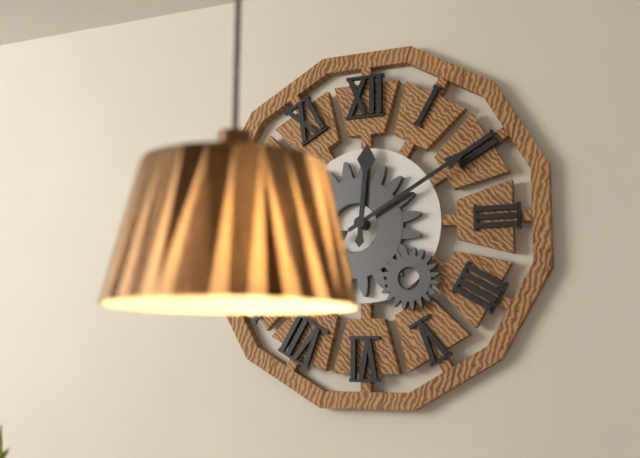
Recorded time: 12:10
